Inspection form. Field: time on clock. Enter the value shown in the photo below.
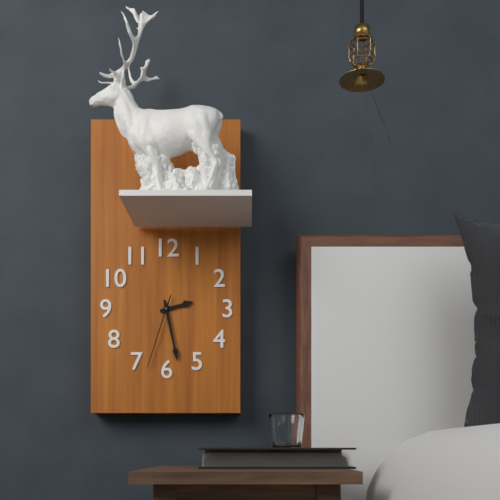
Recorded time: 2:28:33
